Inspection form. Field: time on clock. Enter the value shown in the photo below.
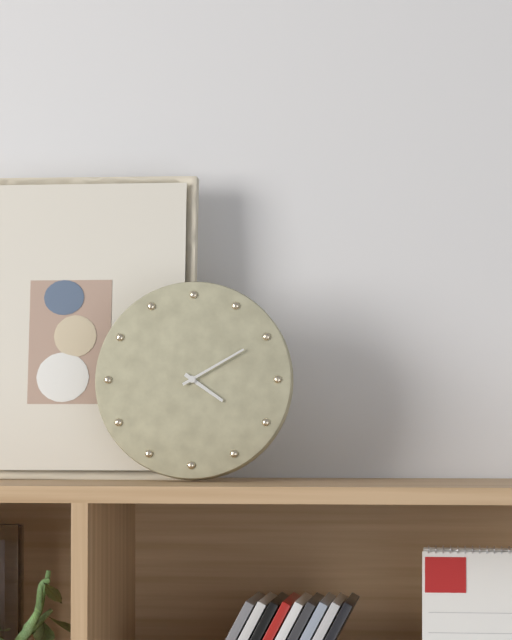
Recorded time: 4:10
